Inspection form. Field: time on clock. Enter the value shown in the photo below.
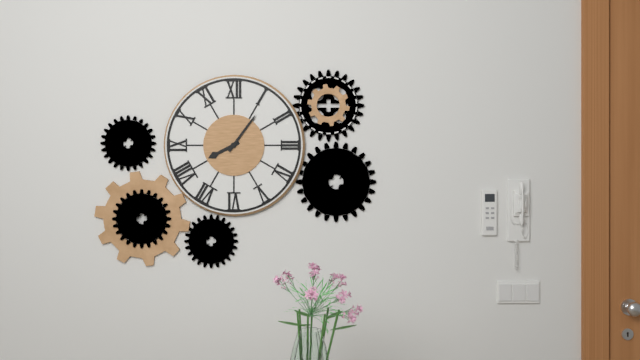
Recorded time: 8:06
